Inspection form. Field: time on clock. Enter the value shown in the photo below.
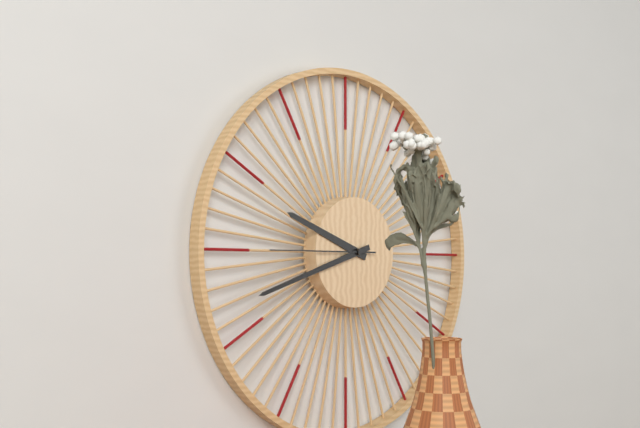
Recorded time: 9:42:45
